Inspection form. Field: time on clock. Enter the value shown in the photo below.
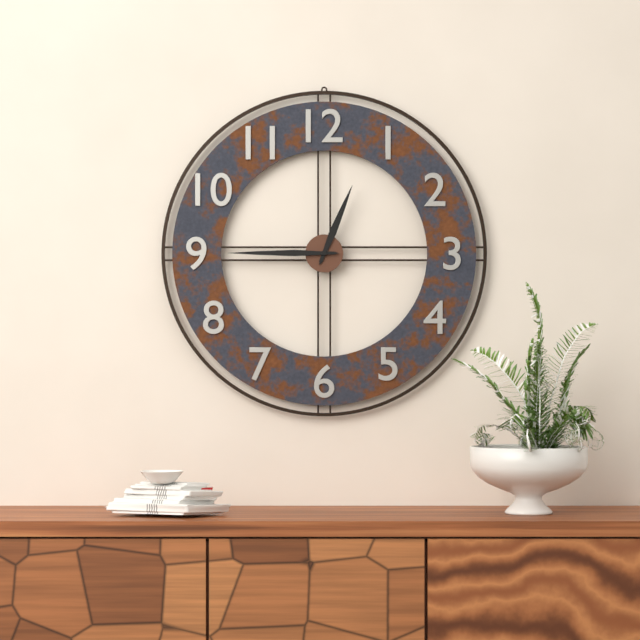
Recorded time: 12:45
